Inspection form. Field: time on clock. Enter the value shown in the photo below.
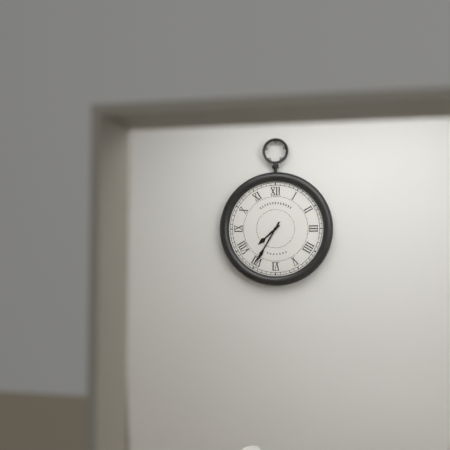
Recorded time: 7:35
